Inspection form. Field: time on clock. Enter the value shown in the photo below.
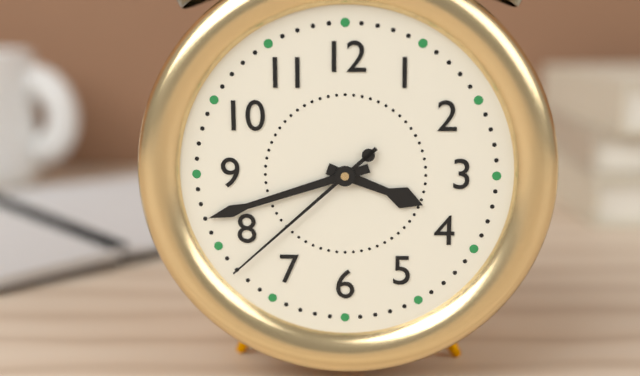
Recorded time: 3:42:38
